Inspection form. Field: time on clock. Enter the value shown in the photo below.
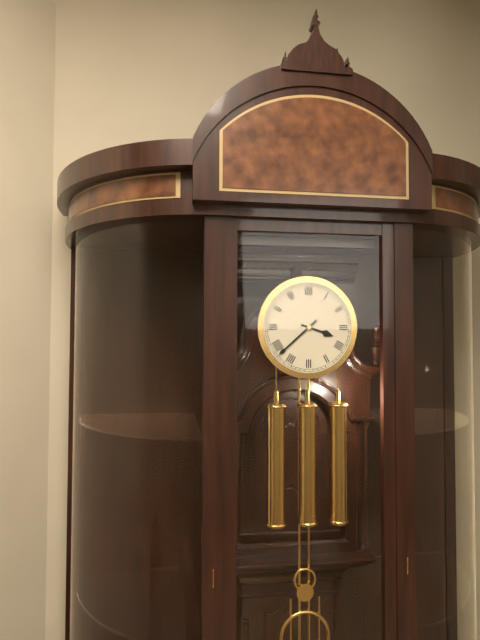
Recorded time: 3:38
